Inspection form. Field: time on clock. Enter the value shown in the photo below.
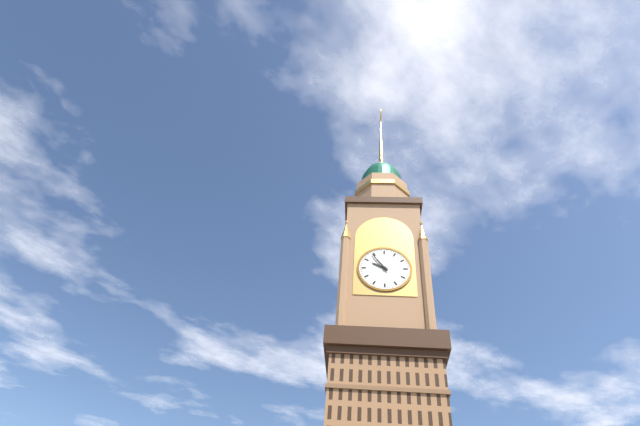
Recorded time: 9:54
